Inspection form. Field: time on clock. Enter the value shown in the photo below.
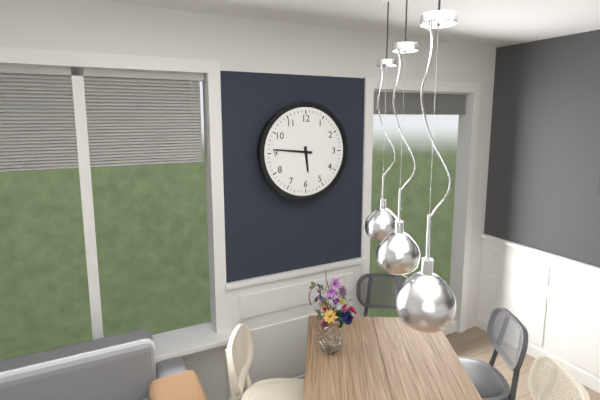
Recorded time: 5:46
